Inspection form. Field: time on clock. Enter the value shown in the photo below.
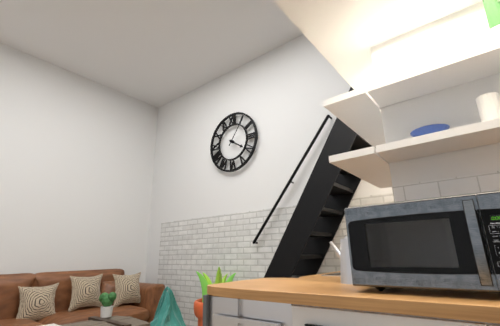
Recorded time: 4:06
